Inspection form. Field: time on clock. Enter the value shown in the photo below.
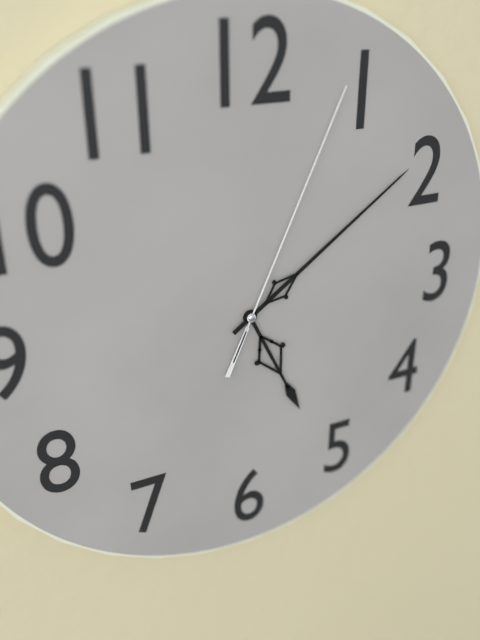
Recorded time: 5:09:04
